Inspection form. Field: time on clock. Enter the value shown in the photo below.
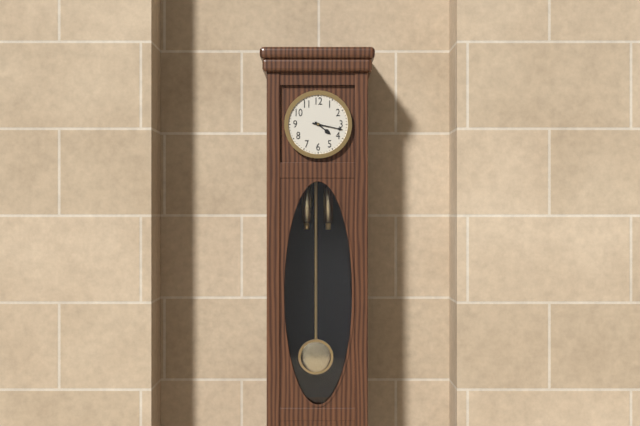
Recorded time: 4:17
